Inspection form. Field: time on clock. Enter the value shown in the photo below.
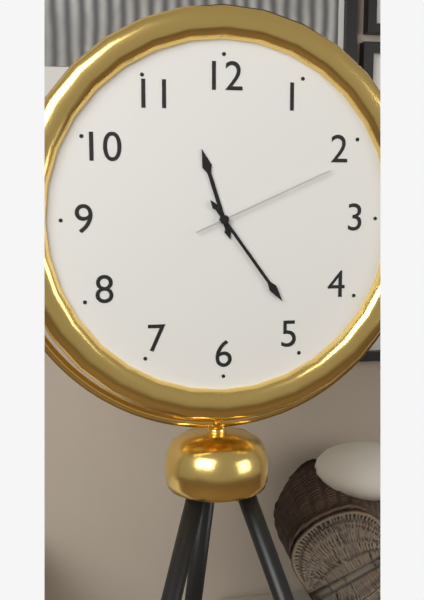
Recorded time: 11:24:11
